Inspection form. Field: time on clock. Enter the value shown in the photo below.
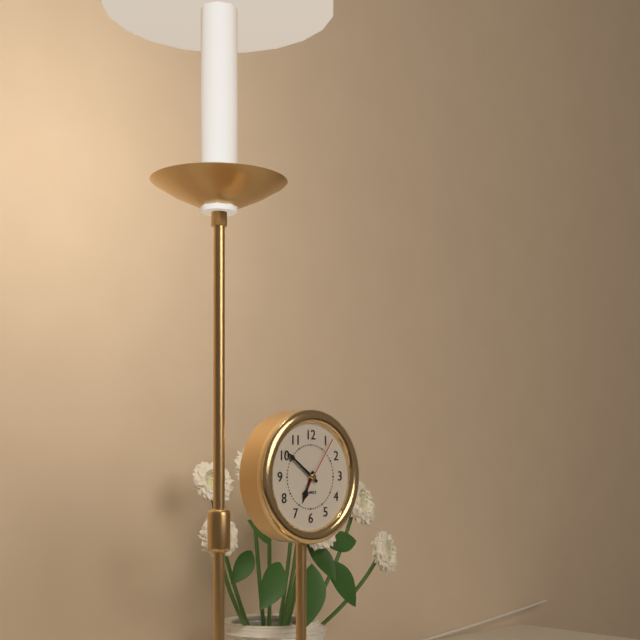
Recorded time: 6:51:06
